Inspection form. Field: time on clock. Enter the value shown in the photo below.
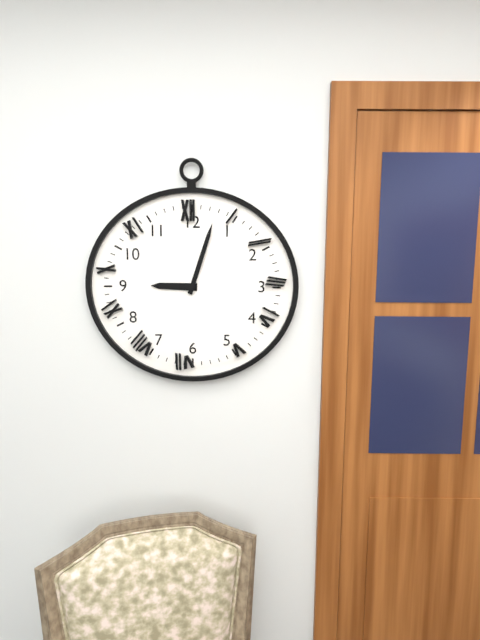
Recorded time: 9:03
